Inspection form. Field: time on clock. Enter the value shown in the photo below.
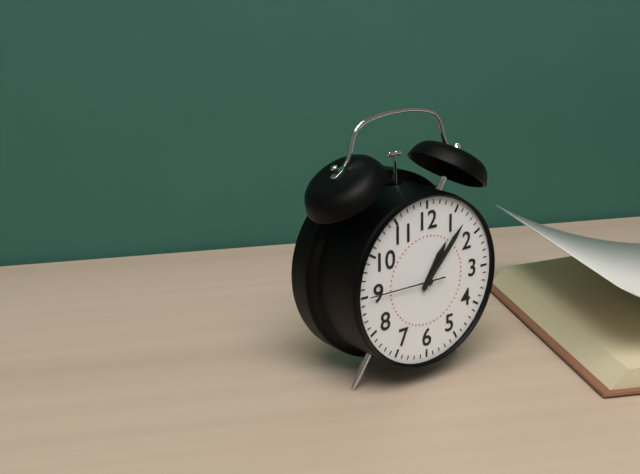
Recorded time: 1:07:45
